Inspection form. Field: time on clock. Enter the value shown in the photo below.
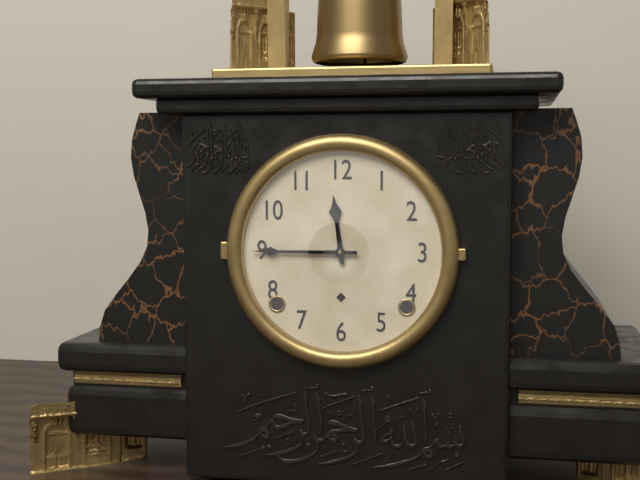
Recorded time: 11:45
